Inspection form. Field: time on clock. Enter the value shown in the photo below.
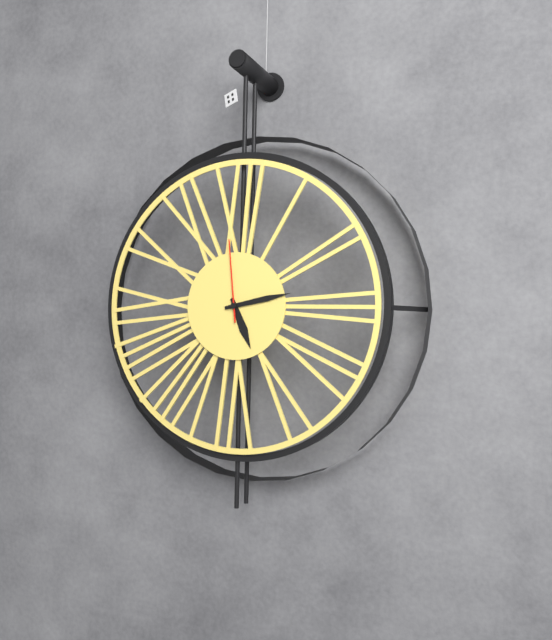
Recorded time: 5:13:59
